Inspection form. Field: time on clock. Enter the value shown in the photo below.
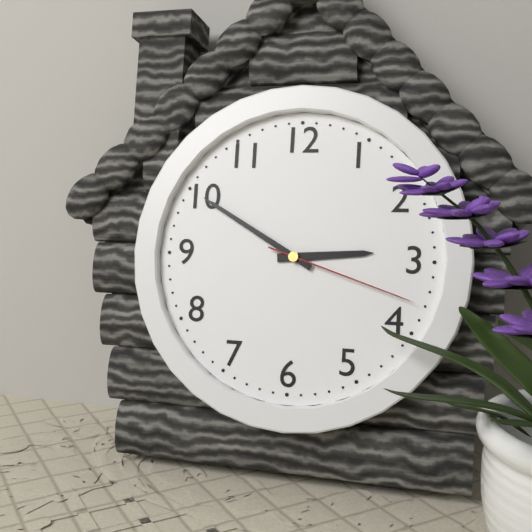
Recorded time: 2:50:18
